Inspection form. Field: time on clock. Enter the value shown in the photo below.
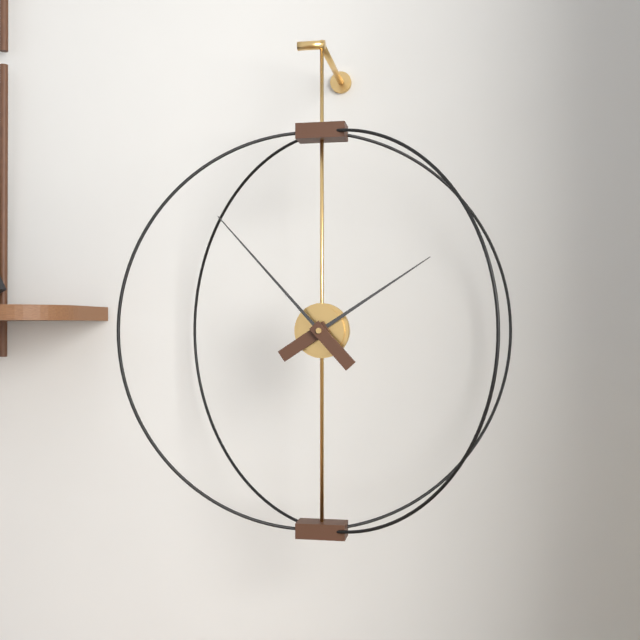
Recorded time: 1:53
